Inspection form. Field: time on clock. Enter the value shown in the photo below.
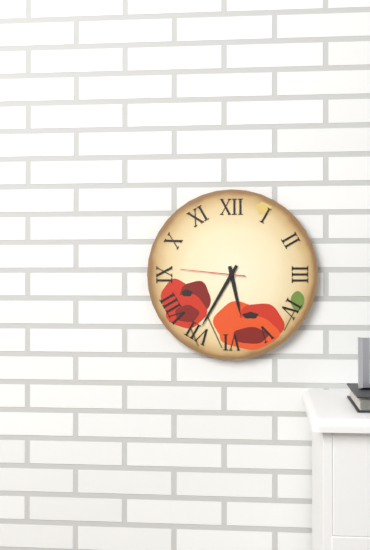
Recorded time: 5:35:46
